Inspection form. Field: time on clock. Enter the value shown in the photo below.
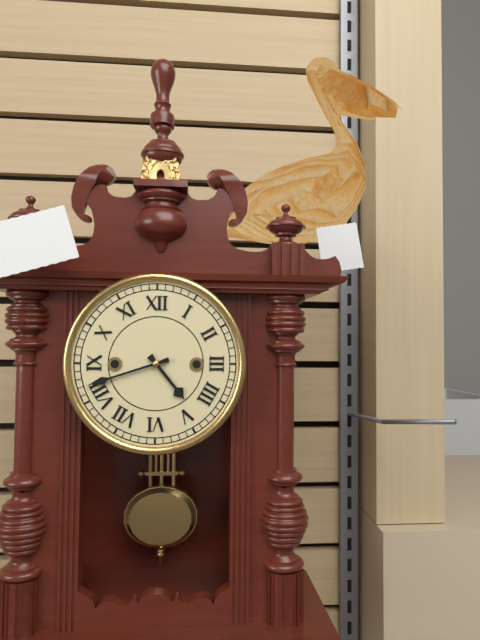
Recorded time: 4:42
